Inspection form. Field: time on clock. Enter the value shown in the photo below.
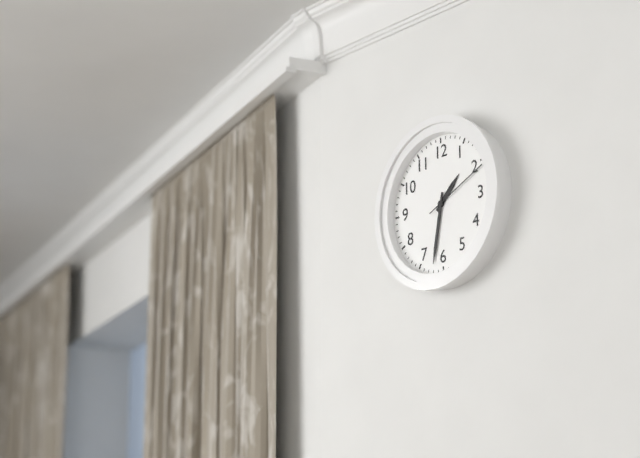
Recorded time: 1:32:11
